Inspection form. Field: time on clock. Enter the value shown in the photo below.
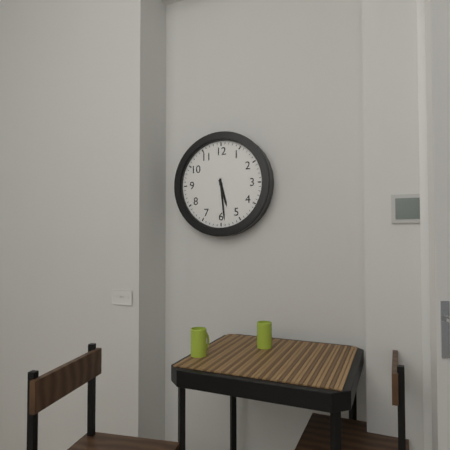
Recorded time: 5:29
